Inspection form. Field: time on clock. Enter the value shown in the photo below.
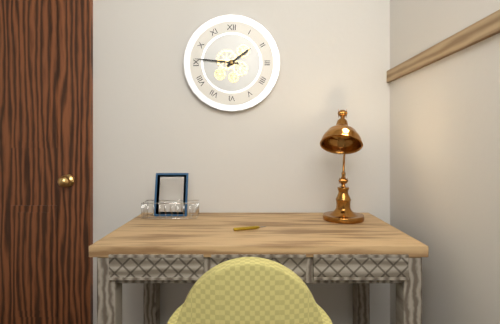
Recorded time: 1:46
